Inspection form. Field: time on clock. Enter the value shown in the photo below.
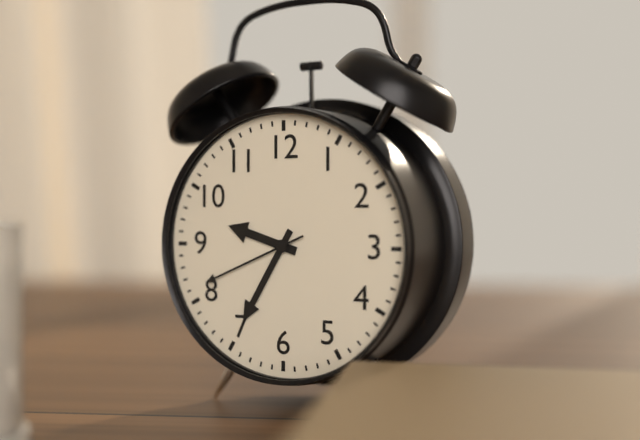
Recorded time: 9:35:41
